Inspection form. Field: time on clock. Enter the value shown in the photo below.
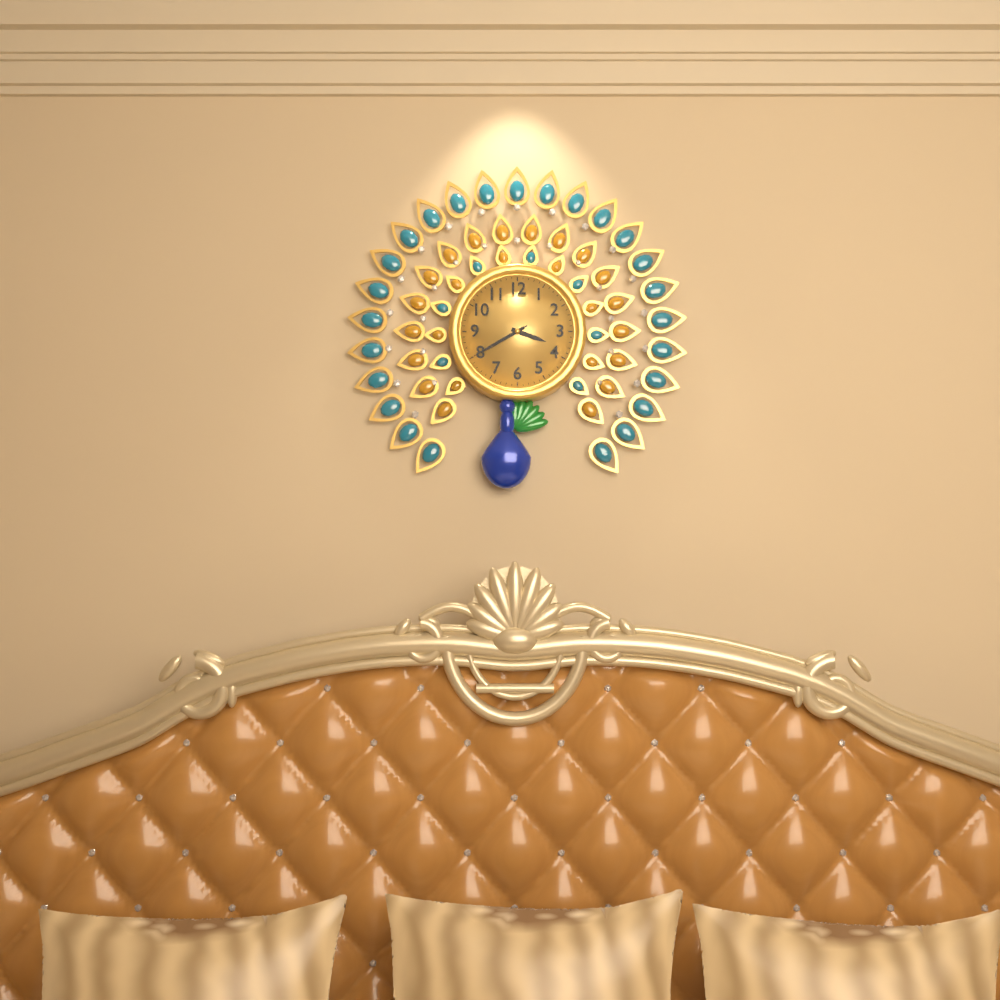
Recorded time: 3:40:40
